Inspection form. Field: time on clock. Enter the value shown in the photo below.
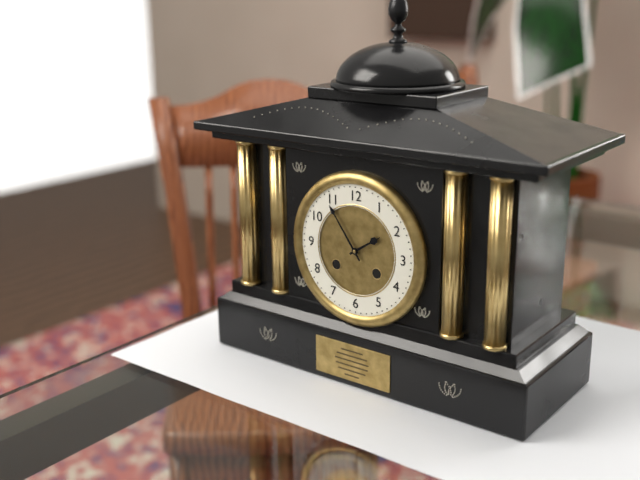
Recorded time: 1:54
